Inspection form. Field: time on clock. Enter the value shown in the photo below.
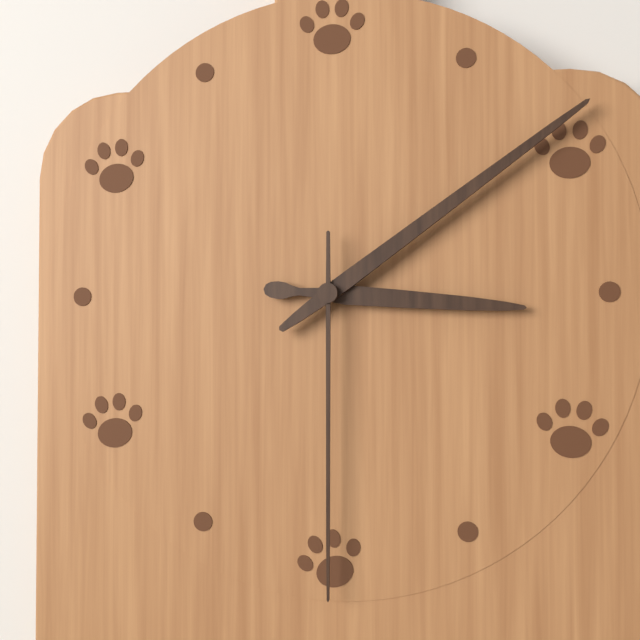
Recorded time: 3:09:30
